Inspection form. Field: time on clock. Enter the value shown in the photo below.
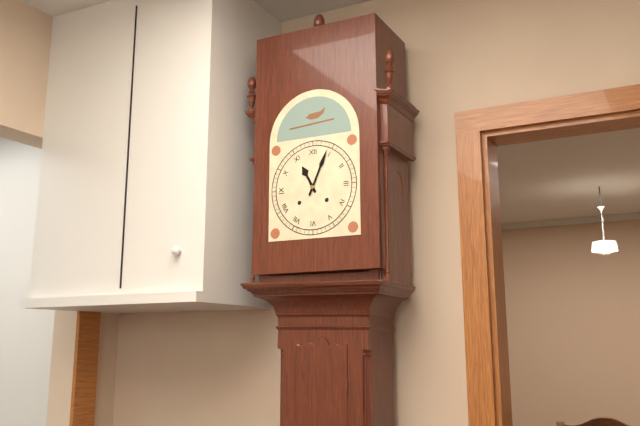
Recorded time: 11:04
